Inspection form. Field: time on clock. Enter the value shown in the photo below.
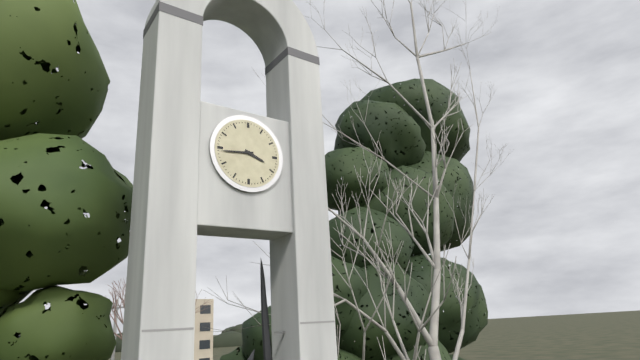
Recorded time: 3:44
